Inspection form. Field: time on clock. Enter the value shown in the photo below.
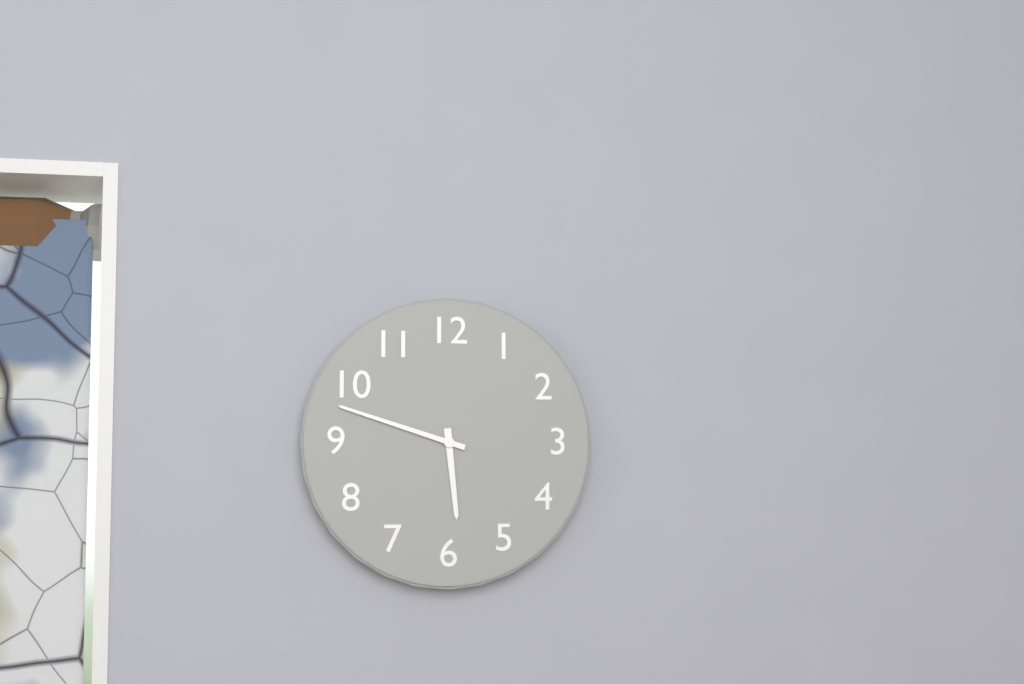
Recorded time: 5:48
